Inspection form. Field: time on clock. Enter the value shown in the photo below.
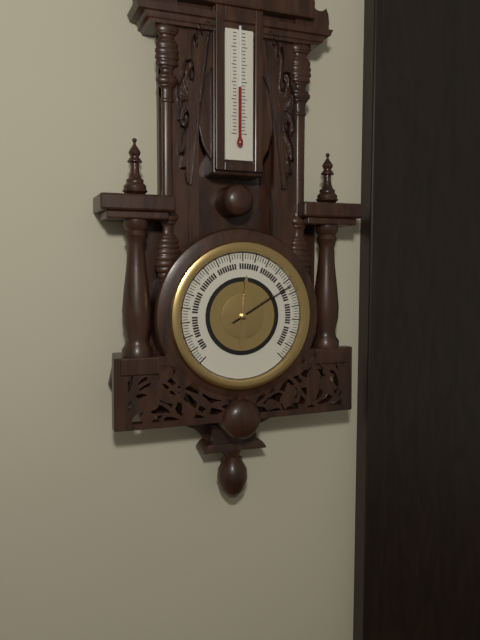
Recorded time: 12:10
